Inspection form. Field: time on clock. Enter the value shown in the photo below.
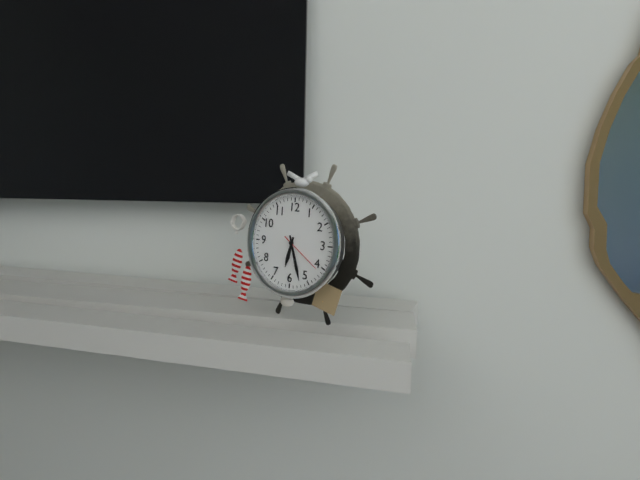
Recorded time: 6:27
